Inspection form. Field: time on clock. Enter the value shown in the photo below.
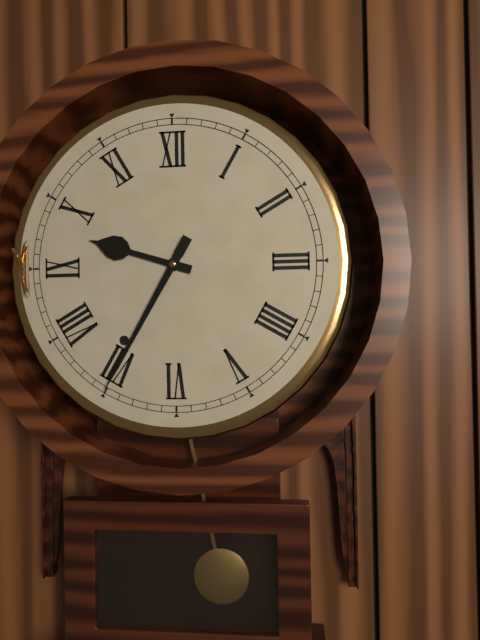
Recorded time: 9:35
